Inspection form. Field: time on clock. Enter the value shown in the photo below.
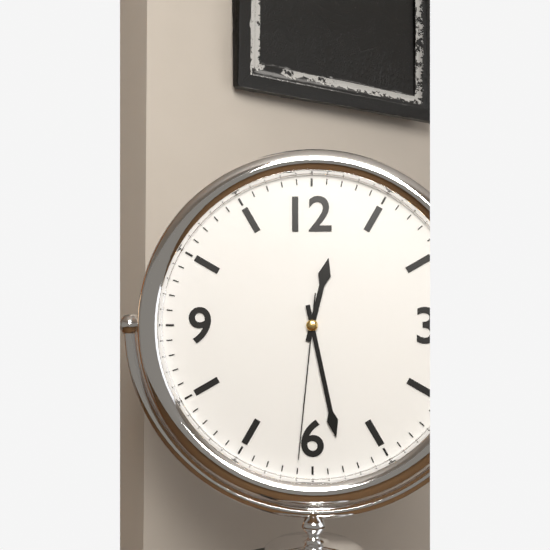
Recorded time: 12:28:31
